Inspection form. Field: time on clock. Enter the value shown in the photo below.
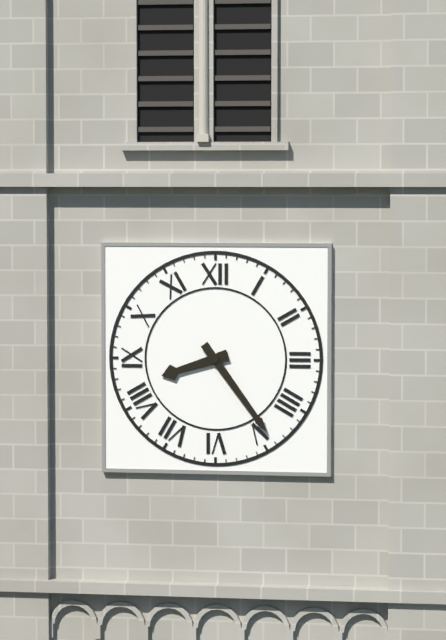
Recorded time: 8:24
